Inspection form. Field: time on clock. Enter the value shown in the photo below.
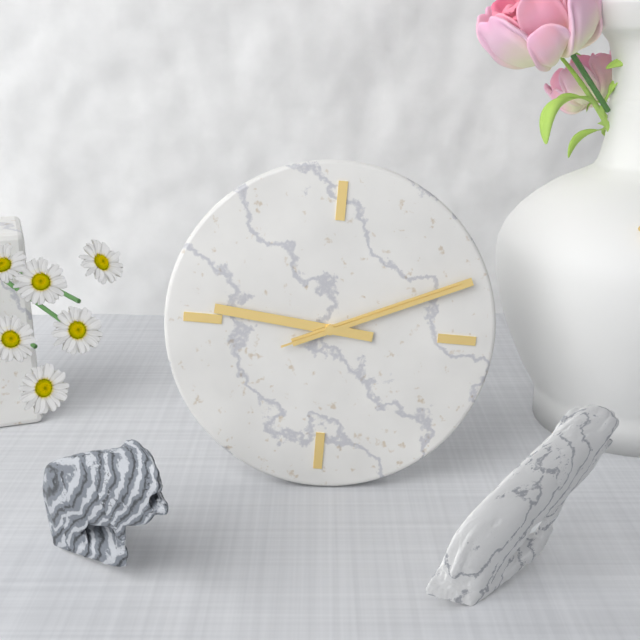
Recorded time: 9:11:11
